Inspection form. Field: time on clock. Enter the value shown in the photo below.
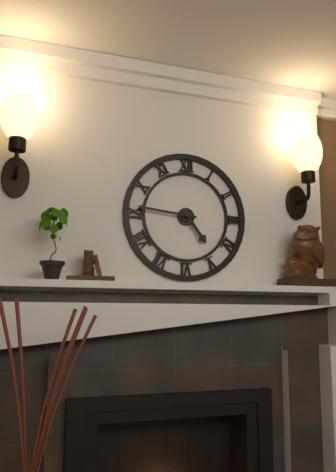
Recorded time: 4:46
